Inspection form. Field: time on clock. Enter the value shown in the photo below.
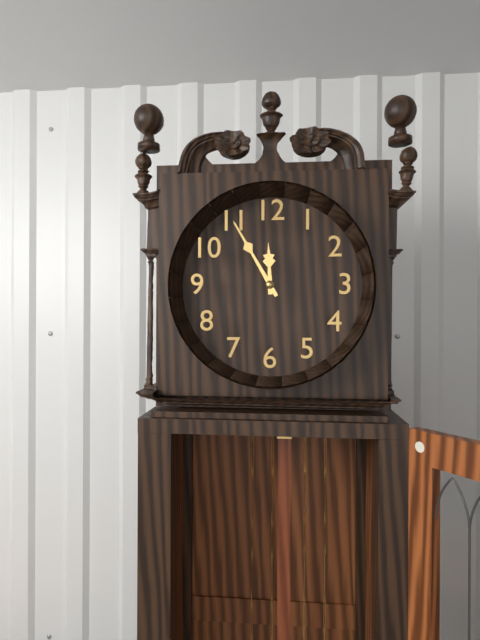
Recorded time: 11:55
